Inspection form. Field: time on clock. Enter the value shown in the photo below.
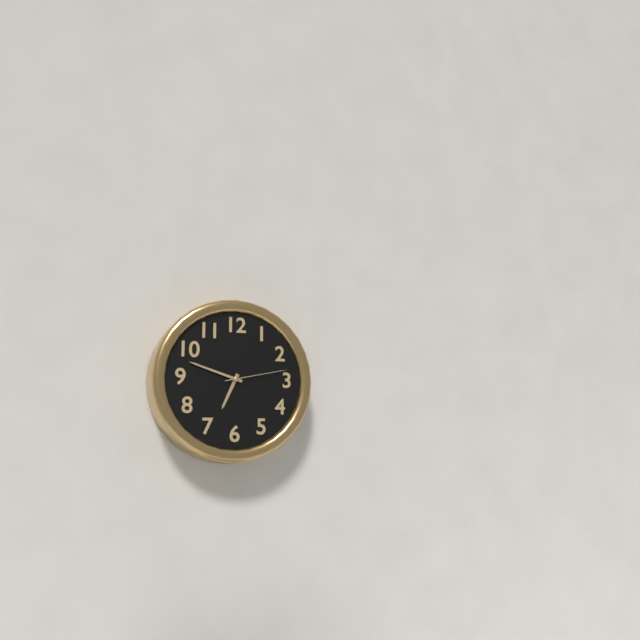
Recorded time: 6:48:13
